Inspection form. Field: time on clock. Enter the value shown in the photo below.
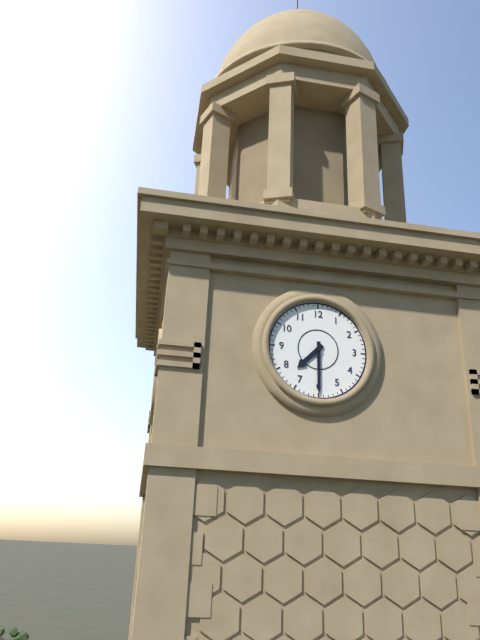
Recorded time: 7:30
